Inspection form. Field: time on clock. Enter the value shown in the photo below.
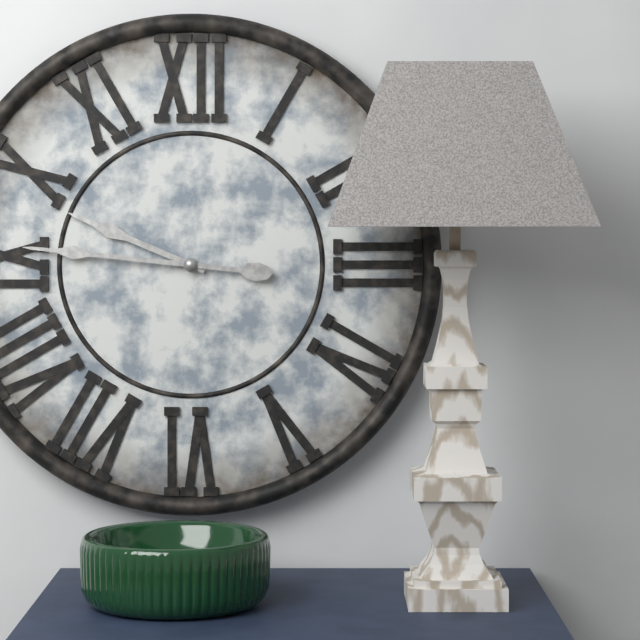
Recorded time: 9:46
